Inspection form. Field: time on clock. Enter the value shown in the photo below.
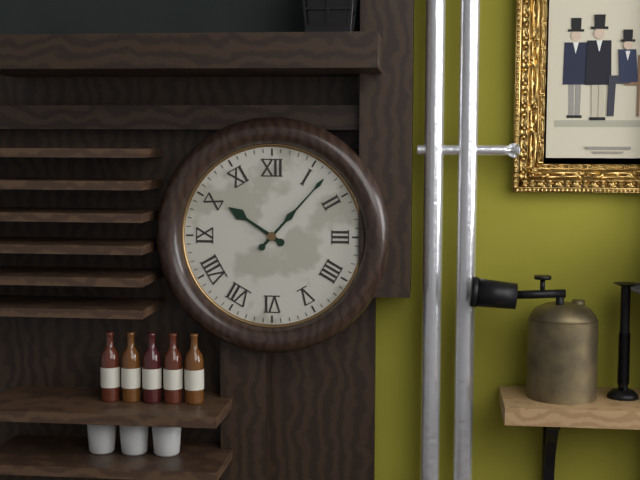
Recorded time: 10:07
